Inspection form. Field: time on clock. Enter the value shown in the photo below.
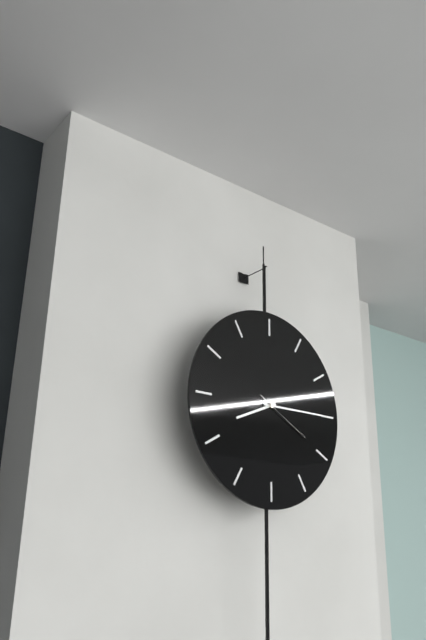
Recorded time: 8:15:20
